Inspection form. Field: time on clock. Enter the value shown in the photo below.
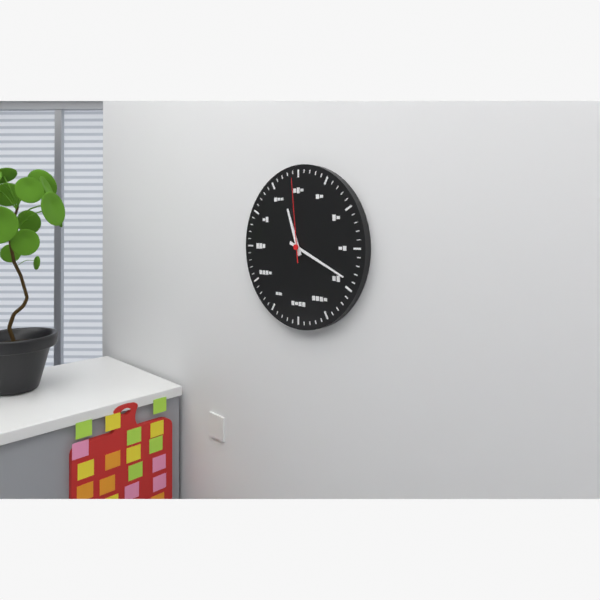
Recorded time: 11:19:59
